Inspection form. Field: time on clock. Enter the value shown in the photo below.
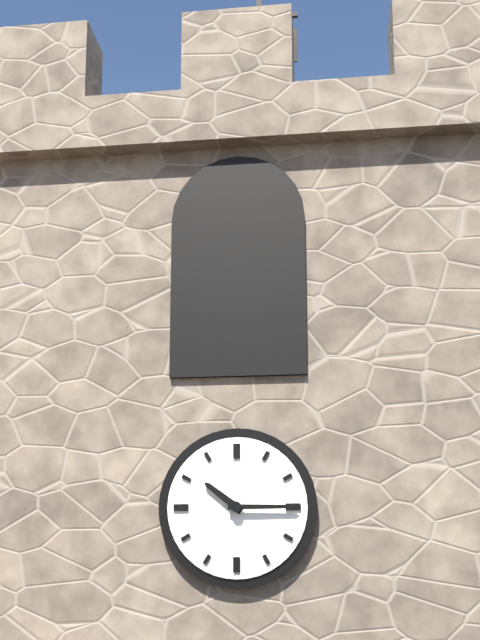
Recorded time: 10:15
